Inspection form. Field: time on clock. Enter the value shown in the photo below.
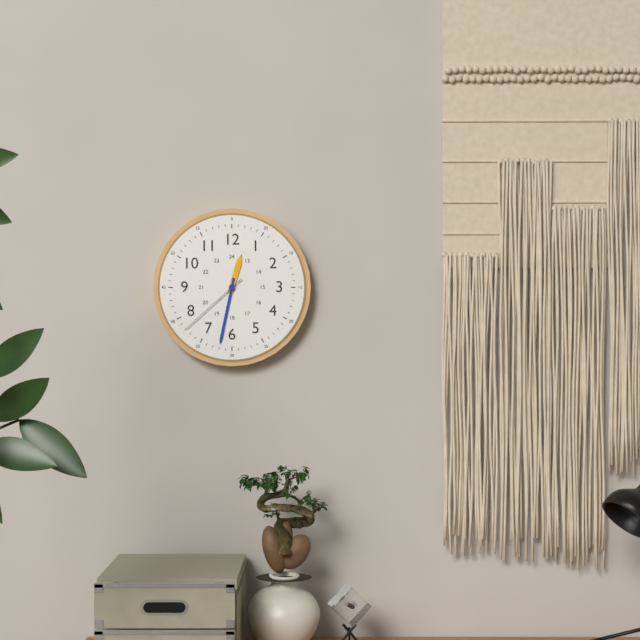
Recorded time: 12:32:38
